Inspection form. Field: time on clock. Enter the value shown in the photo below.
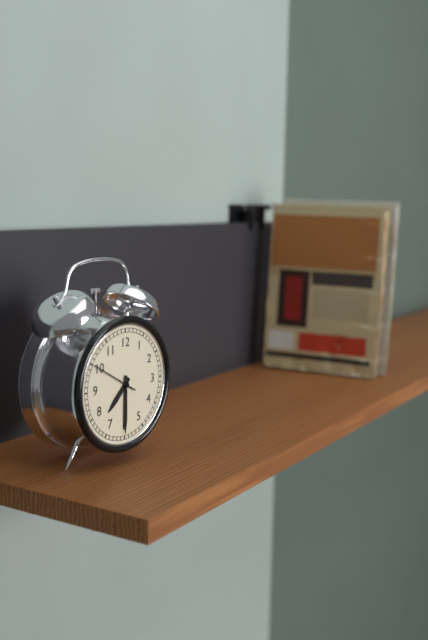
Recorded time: 7:30
